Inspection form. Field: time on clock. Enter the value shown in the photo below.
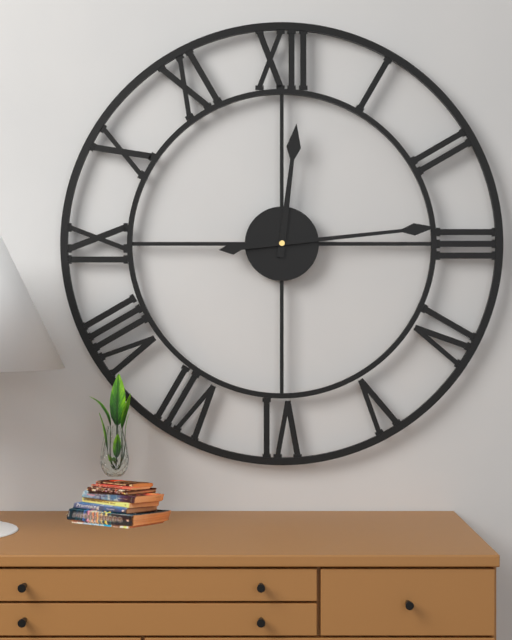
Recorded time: 12:14
